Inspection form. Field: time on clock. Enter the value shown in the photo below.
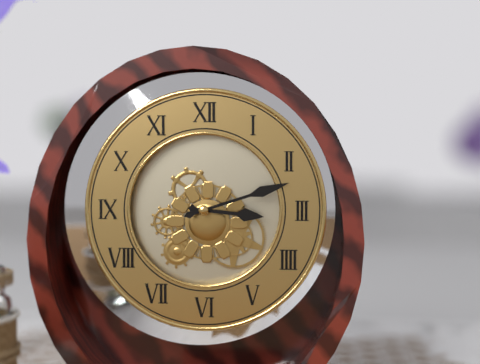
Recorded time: 3:12
